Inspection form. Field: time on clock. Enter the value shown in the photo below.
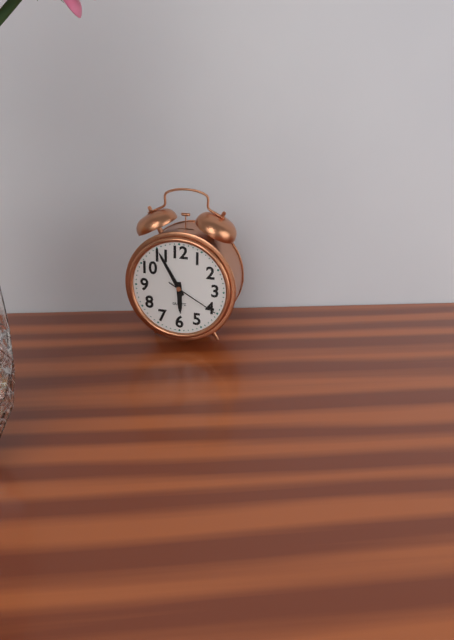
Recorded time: 5:55:20
